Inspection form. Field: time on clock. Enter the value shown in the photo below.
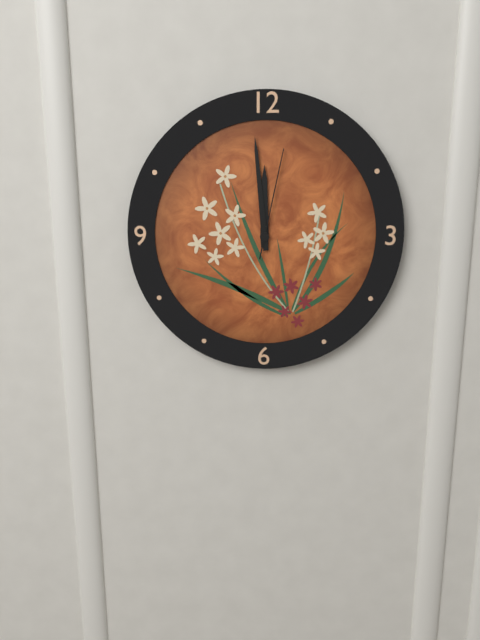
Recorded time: 11:59:02
